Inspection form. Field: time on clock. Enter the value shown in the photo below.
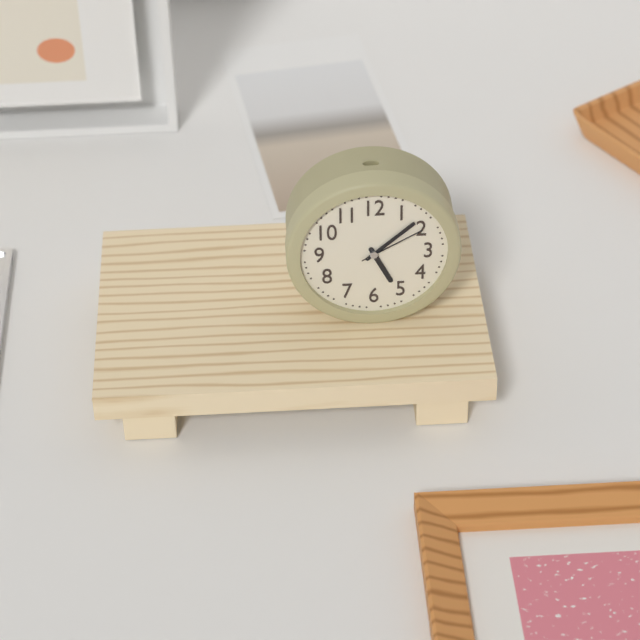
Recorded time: 5:08:10
